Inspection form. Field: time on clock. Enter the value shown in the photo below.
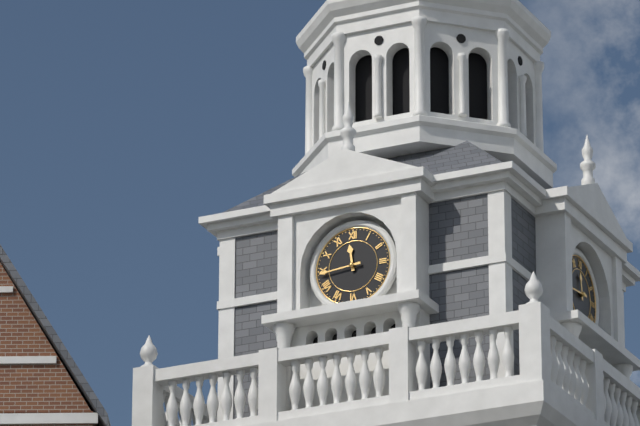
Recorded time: 11:44
